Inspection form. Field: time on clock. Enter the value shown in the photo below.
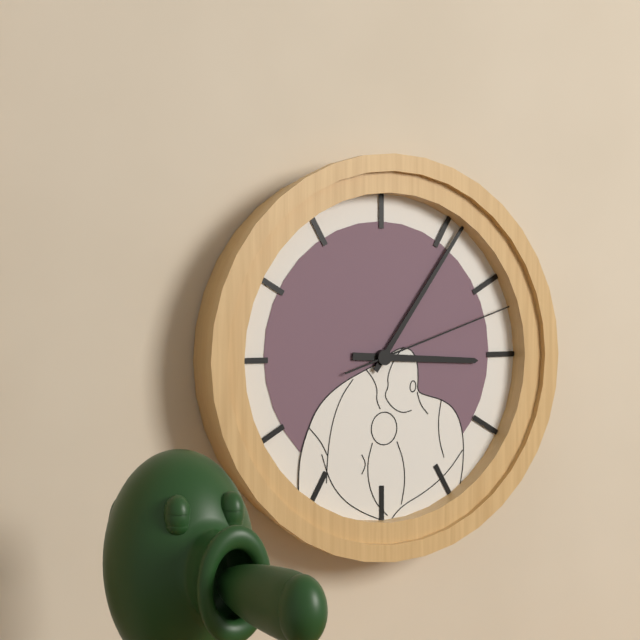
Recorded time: 3:06:12
